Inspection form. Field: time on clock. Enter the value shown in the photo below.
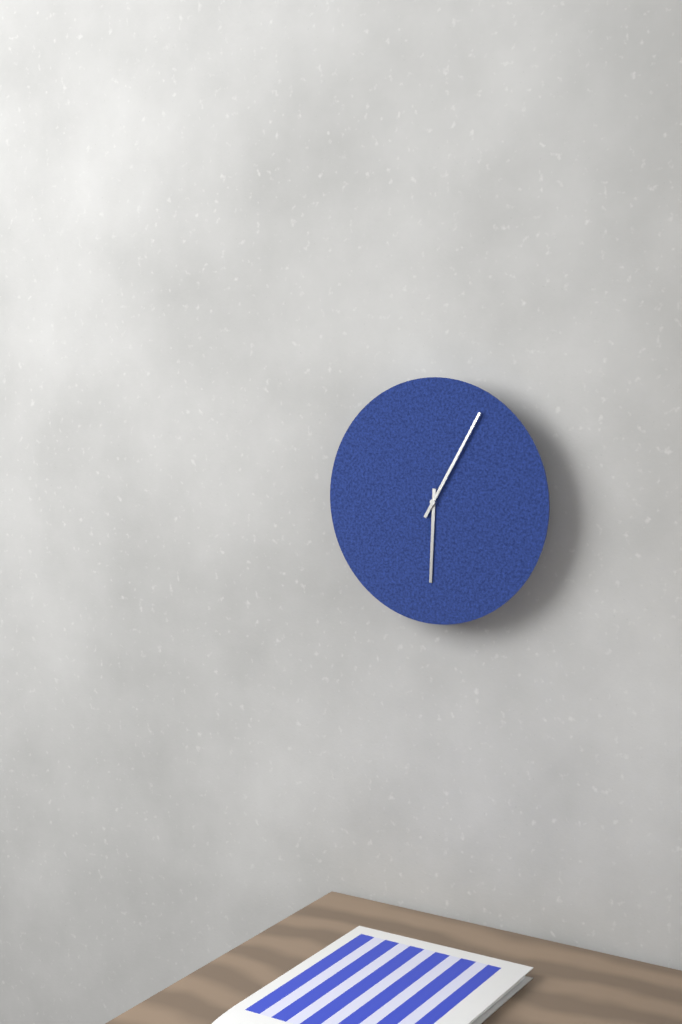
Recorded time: 6:05
